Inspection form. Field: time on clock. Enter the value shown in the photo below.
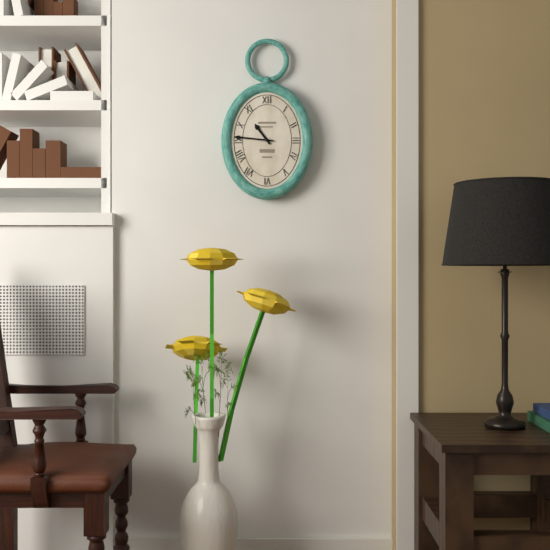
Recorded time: 10:46
